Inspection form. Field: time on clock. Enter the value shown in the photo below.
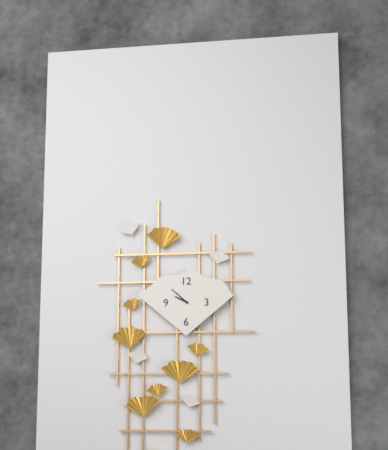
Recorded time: 9:52
